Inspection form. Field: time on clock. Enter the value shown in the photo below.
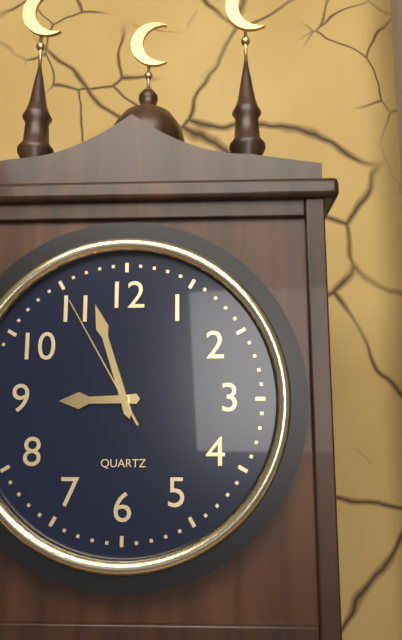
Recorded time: 8:57:55
